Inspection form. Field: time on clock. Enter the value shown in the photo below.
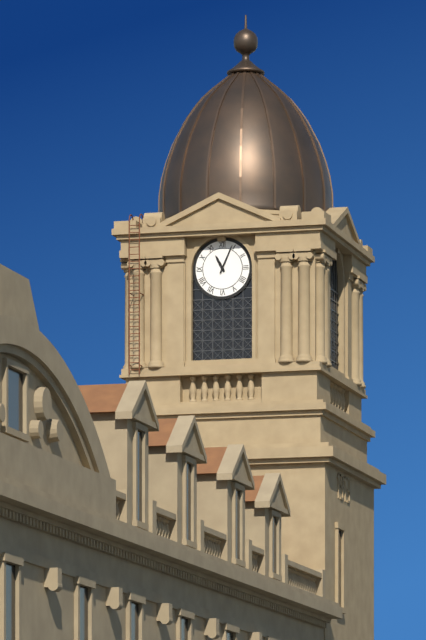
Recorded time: 11:04
